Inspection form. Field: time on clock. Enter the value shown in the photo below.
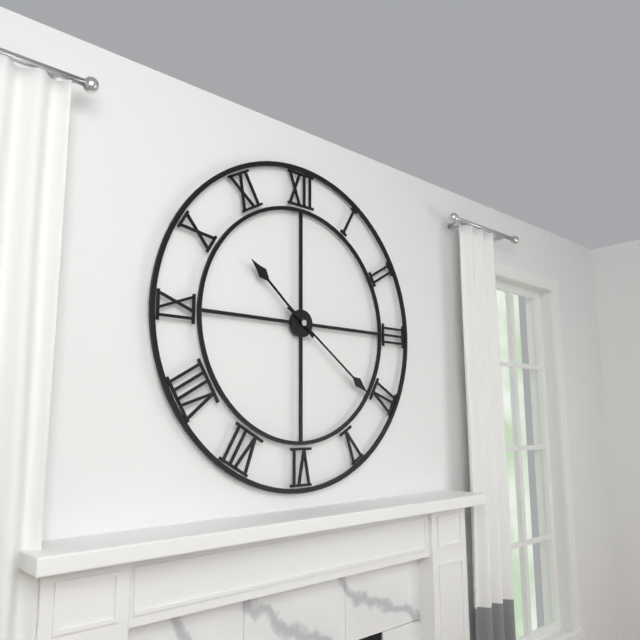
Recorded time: 10:21
